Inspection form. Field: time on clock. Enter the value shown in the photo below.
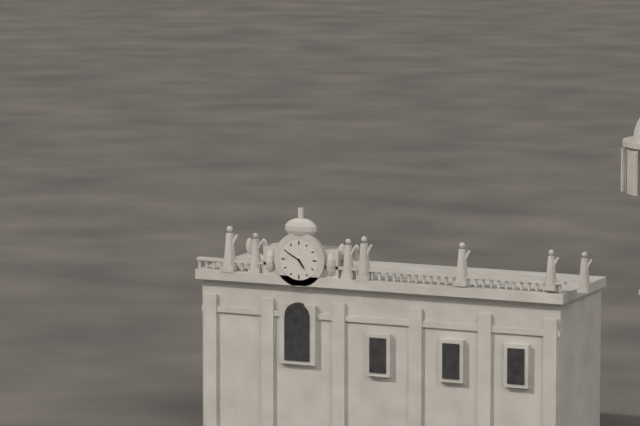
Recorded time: 4:50
